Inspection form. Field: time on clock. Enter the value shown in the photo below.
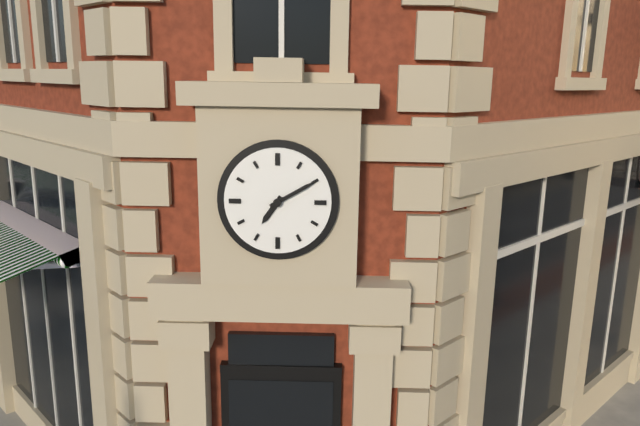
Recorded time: 7:10
